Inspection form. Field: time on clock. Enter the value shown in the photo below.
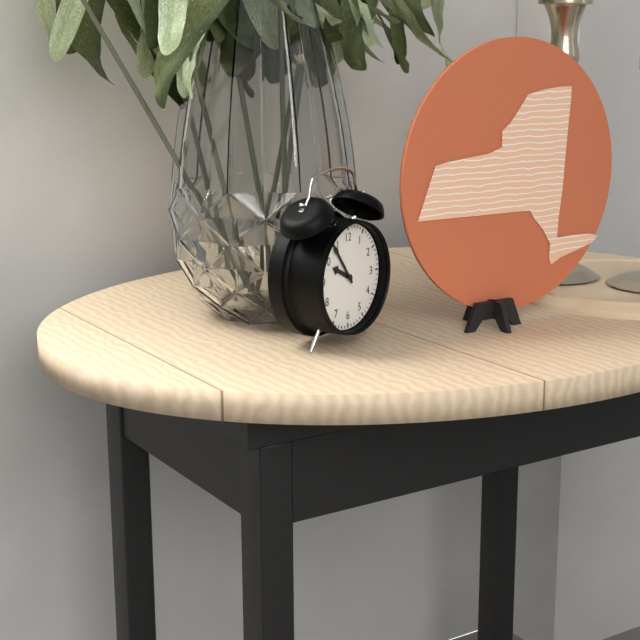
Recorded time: 9:54
